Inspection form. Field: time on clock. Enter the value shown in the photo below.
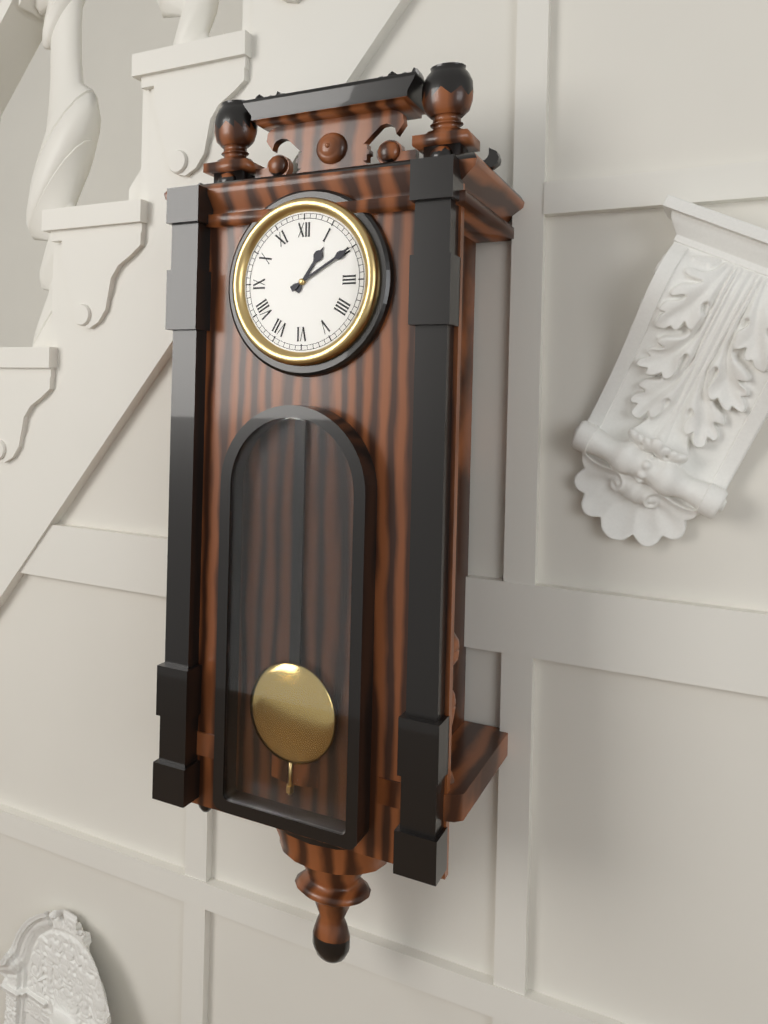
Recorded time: 1:10
